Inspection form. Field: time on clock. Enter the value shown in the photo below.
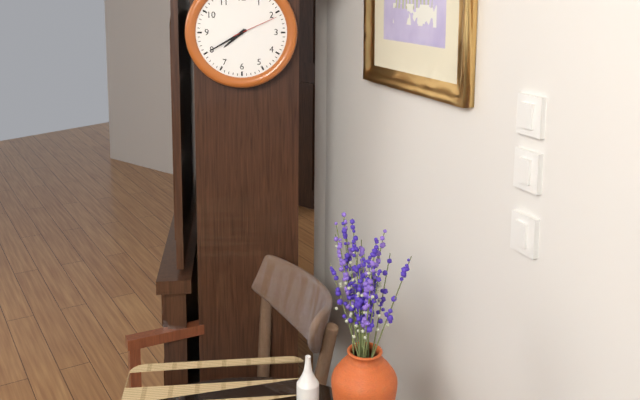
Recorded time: 7:40
